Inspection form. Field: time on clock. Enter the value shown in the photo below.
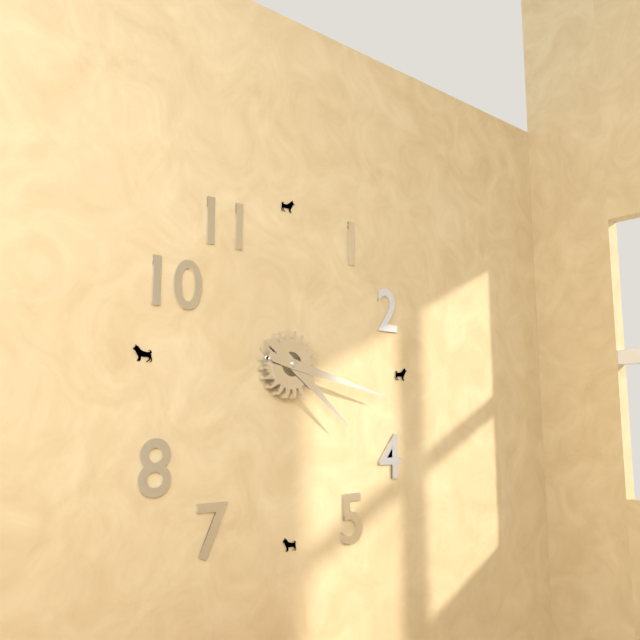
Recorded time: 4:17
